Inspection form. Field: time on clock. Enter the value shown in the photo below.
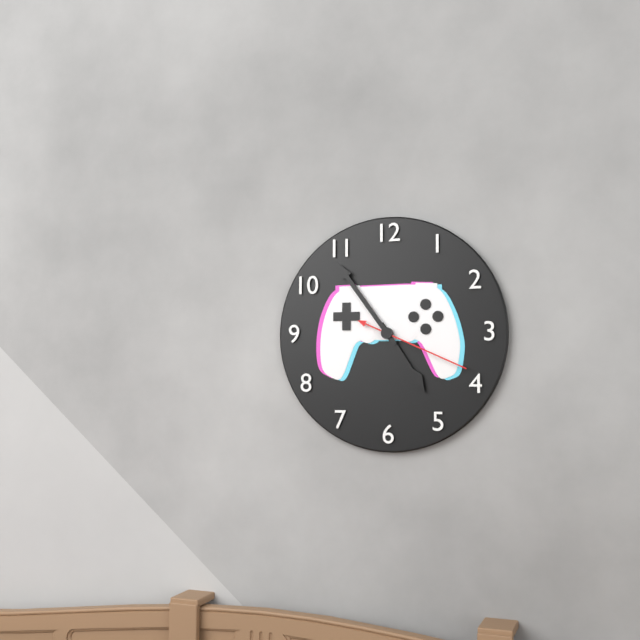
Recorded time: 4:54:19
